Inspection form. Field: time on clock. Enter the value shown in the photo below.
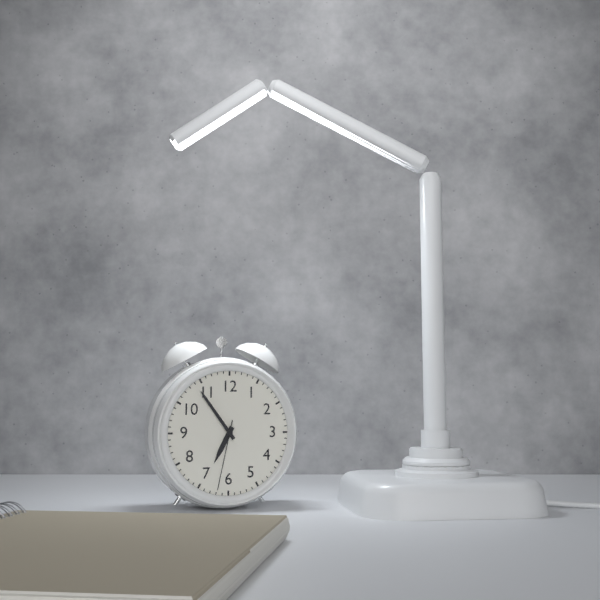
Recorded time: 6:54:32
